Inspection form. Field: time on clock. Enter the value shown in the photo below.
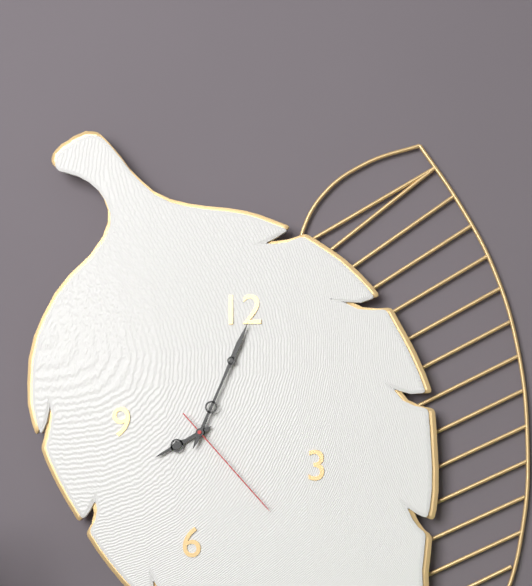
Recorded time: 8:04:23
